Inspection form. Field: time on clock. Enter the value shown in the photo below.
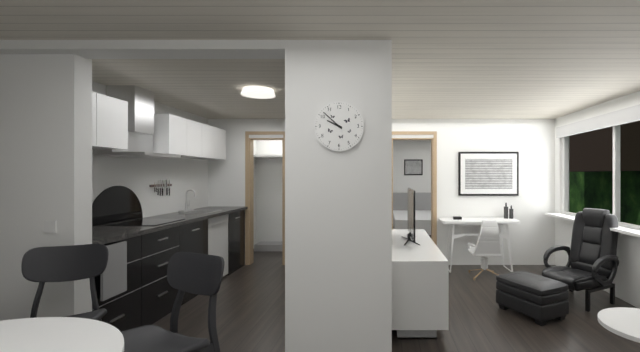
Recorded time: 9:52
